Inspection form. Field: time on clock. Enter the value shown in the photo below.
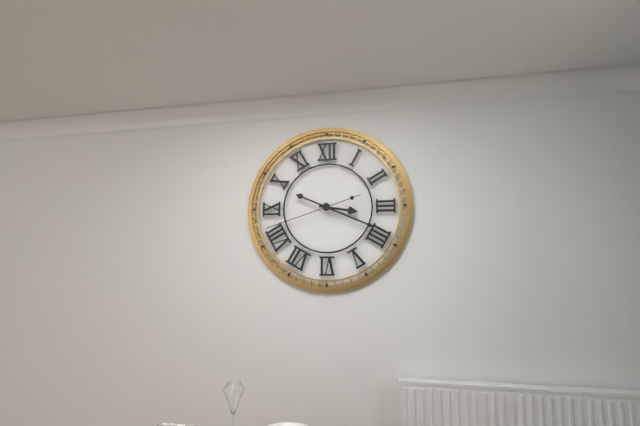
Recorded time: 3:19:42
